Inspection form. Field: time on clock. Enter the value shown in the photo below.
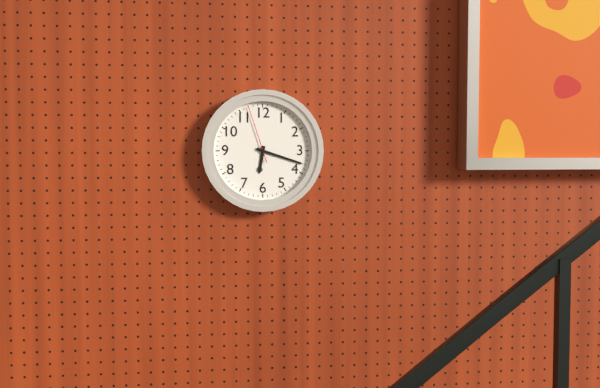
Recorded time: 6:18:57
